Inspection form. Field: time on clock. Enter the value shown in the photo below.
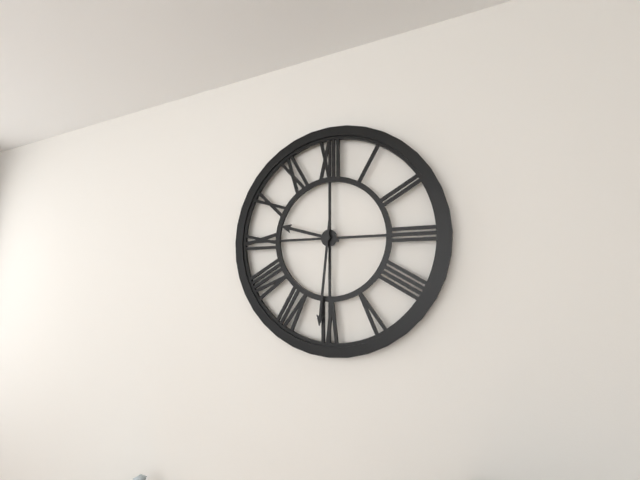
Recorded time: 9:31
